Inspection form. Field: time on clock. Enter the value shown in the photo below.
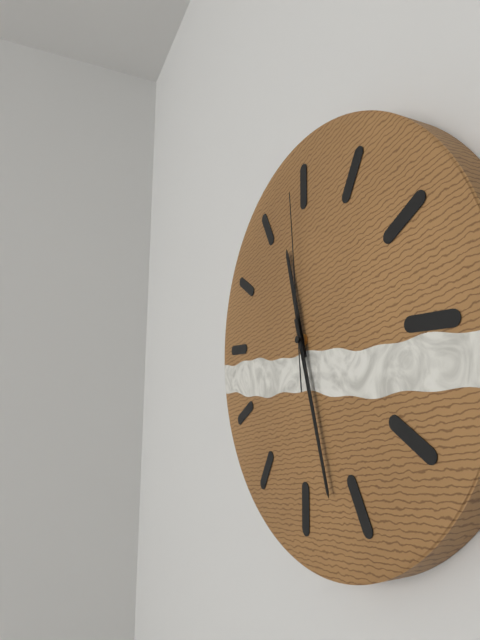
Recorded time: 11:27:59
